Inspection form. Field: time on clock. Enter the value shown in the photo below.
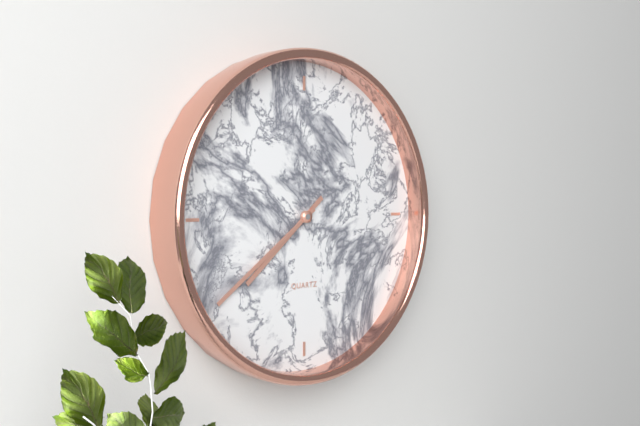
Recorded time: 7:39
